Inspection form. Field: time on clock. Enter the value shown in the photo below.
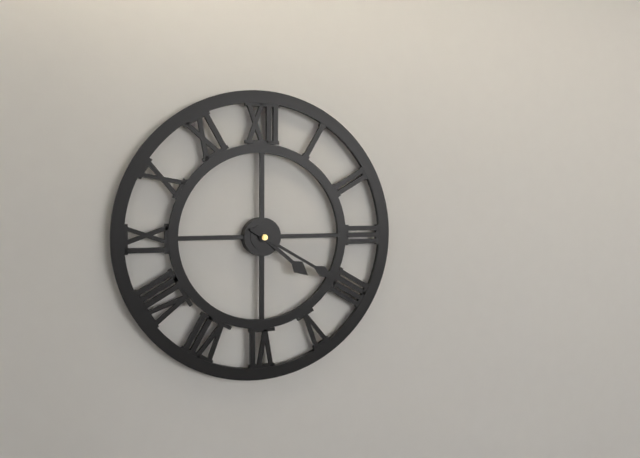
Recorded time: 4:20
